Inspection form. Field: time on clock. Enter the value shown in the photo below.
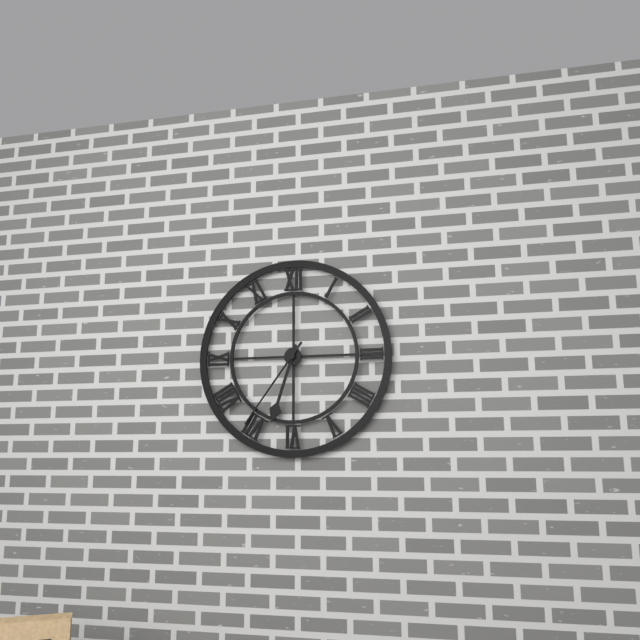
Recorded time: 6:36
